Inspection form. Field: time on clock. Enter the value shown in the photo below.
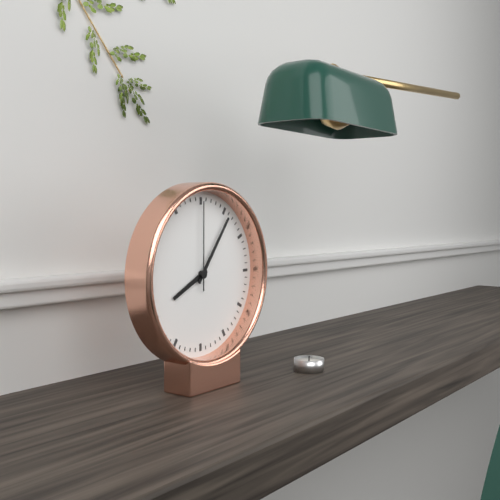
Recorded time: 8:06:00
